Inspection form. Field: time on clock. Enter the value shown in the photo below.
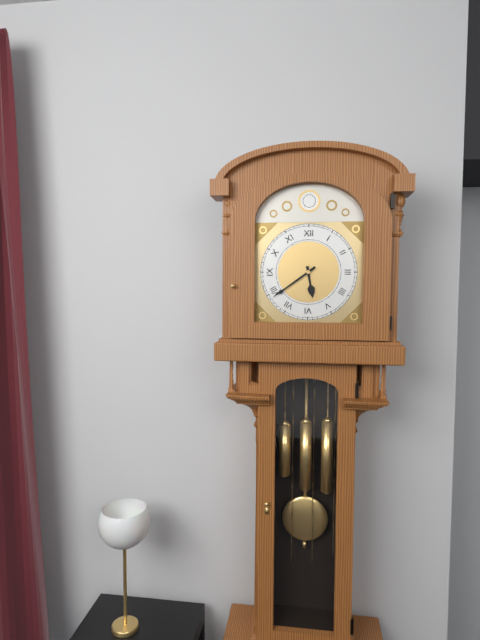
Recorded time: 5:39
